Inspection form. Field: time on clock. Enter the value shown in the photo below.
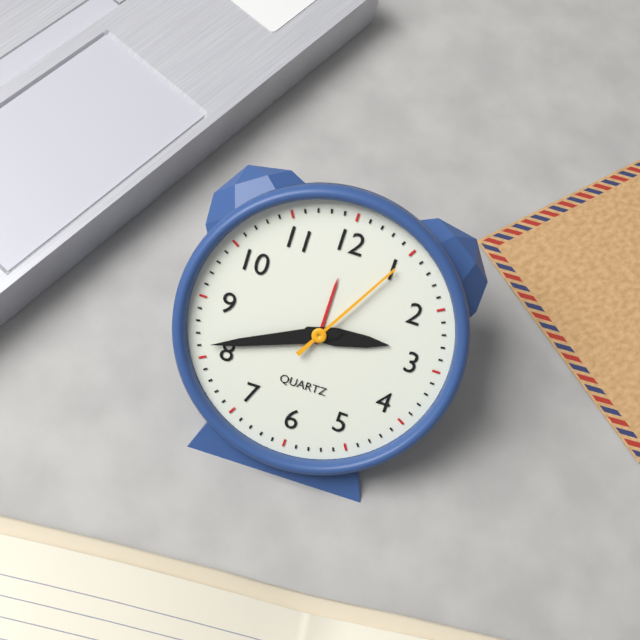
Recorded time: 2:41:05
